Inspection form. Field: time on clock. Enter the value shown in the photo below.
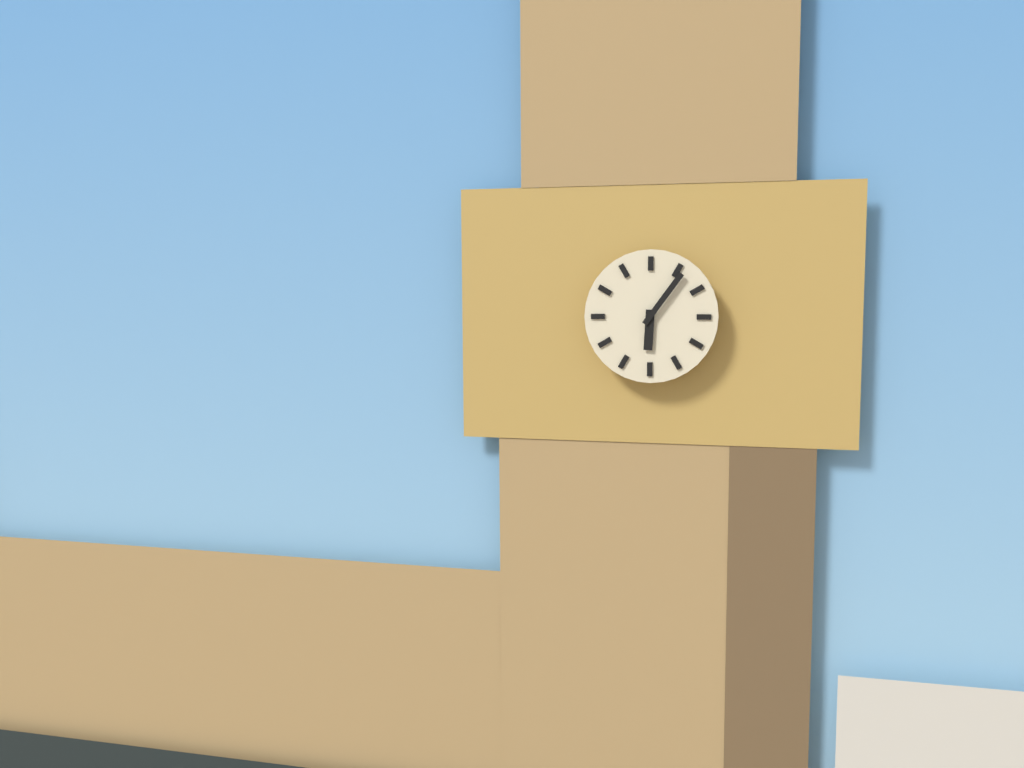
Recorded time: 6:06
